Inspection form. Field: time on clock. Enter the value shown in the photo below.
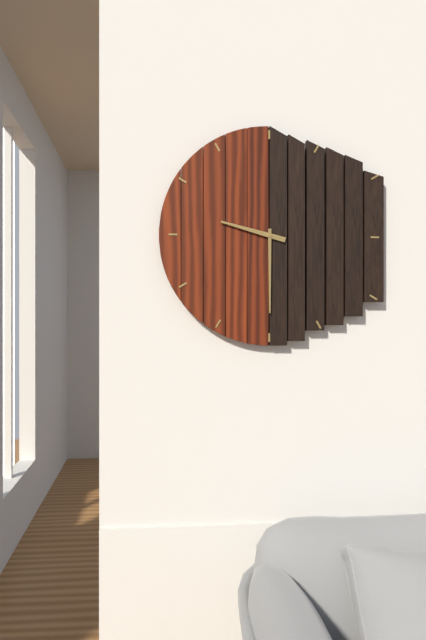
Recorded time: 9:30
